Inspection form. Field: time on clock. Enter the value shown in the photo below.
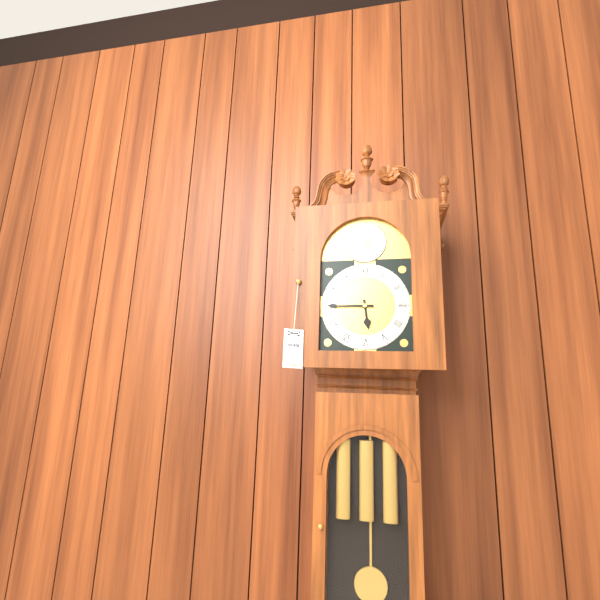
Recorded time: 5:45
